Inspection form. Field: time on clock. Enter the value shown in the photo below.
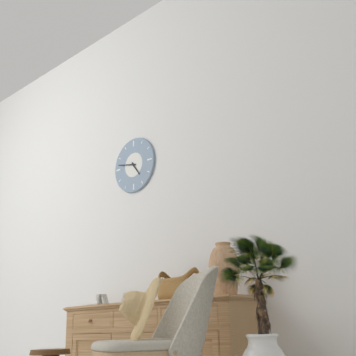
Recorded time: 4:47
